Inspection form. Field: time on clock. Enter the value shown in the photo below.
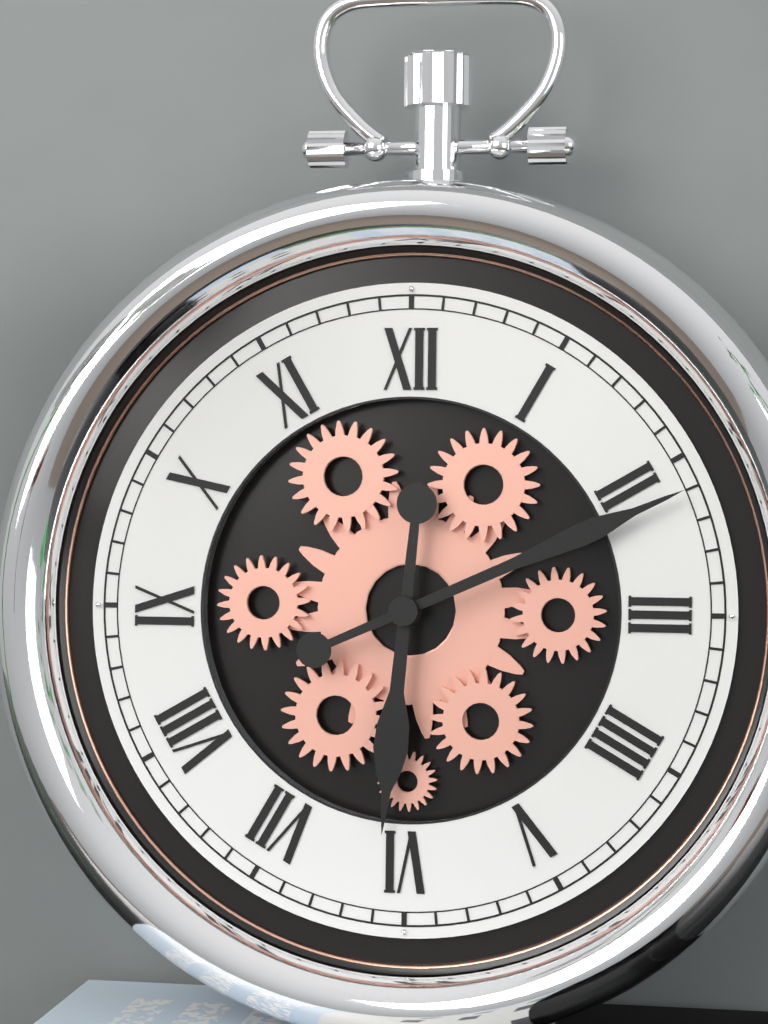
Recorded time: 6:11
